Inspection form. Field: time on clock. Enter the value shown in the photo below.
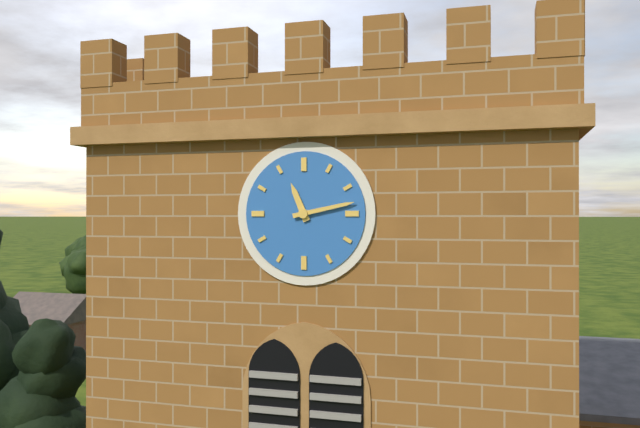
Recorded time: 11:13
